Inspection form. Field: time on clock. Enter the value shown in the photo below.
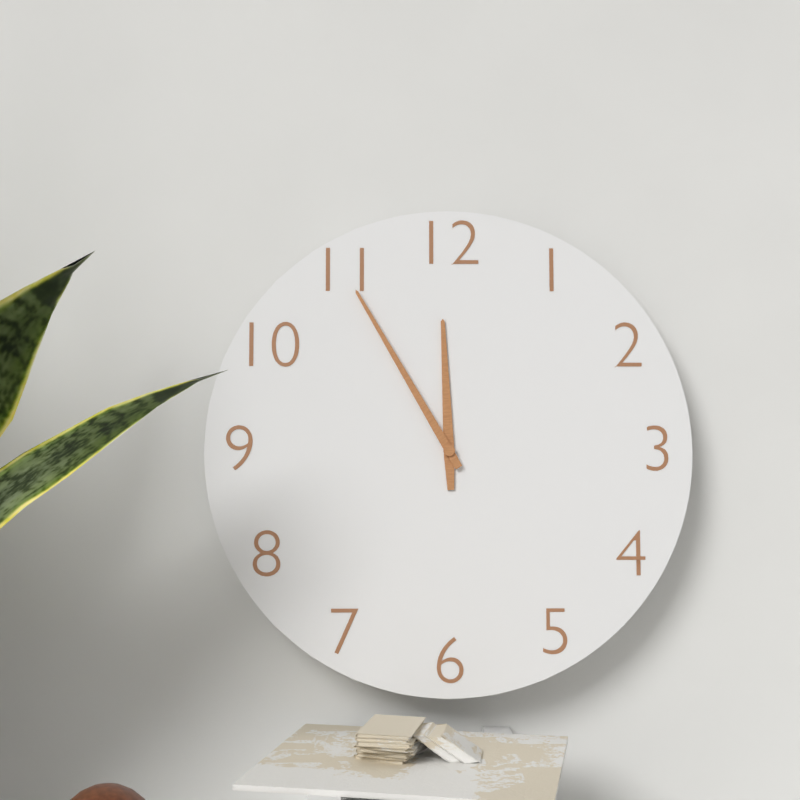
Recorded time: 11:55
